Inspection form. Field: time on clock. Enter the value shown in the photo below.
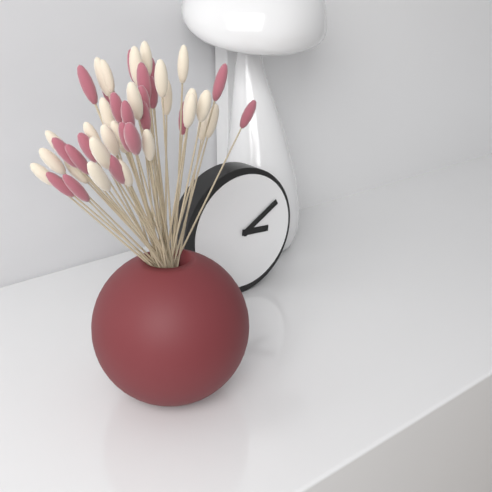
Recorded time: 3:10
